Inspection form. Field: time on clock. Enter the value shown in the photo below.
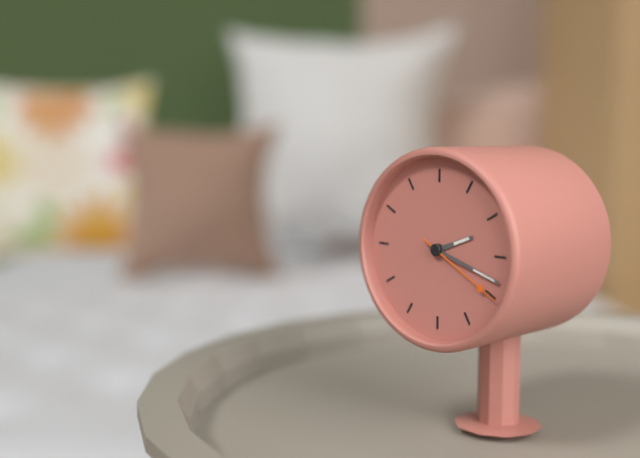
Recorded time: 2:18:20
